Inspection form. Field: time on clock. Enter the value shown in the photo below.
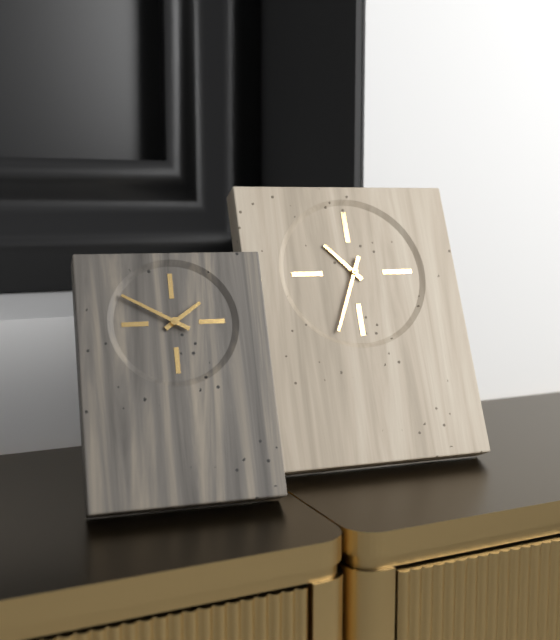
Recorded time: 10:34
